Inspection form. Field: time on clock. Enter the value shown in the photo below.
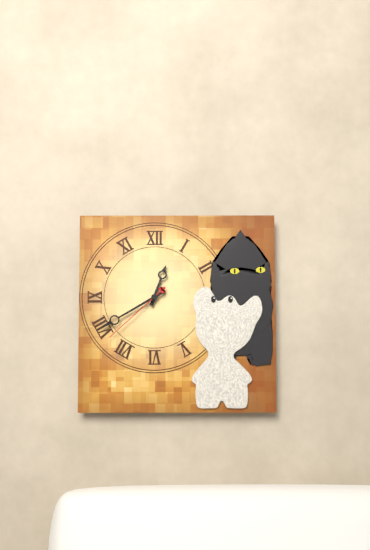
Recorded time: 12:40:38
